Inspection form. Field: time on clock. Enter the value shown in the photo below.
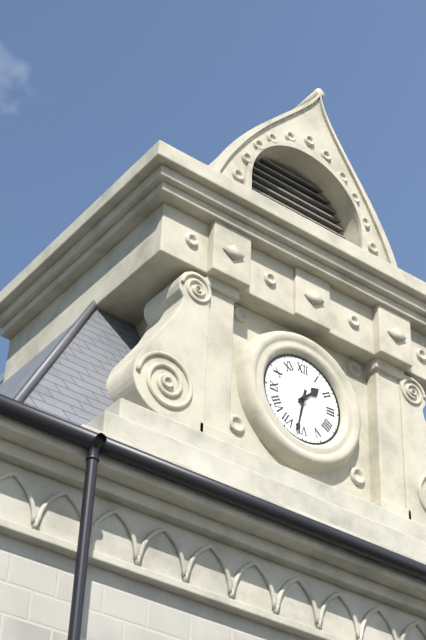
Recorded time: 1:32
